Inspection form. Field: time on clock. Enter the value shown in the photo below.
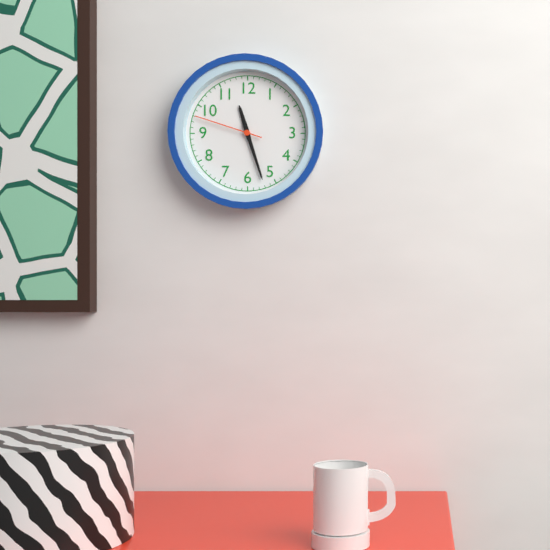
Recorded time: 11:27:48
